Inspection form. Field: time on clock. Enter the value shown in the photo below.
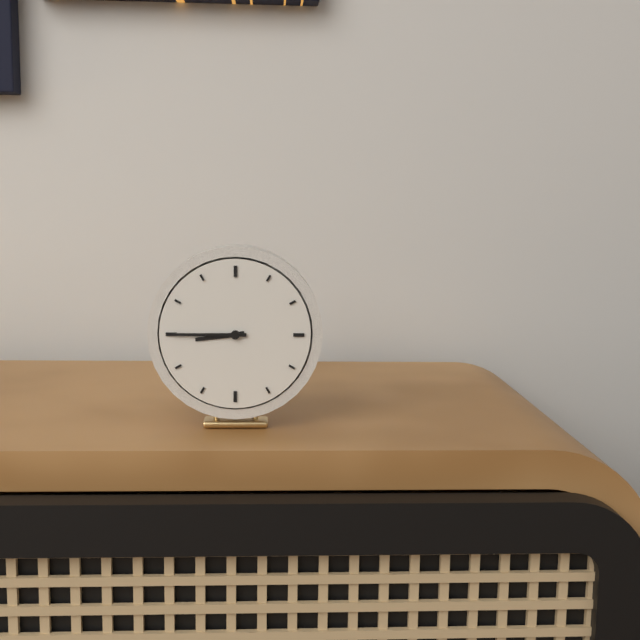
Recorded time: 8:45
